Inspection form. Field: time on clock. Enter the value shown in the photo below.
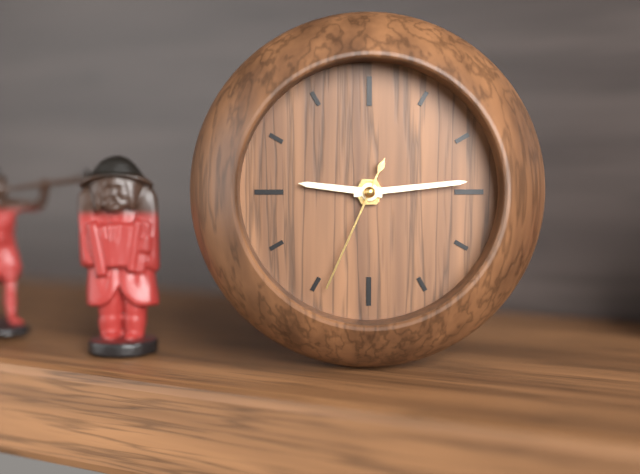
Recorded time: 9:14:34
